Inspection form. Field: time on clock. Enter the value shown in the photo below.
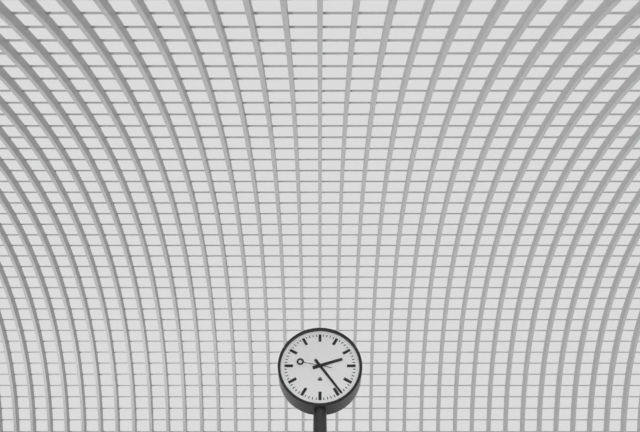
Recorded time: 2:24
